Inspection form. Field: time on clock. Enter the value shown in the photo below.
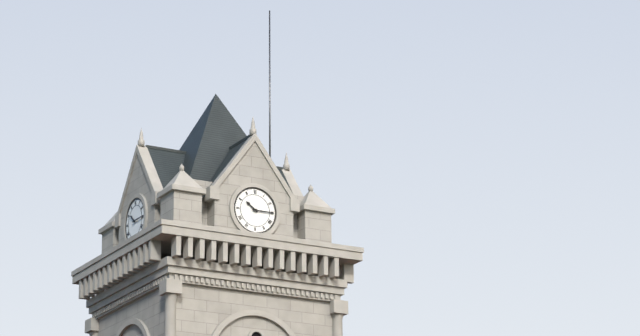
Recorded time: 10:15
